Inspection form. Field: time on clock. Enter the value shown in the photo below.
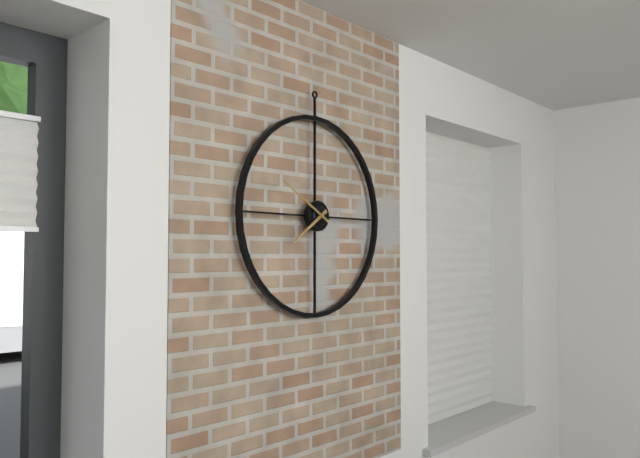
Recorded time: 7:50
